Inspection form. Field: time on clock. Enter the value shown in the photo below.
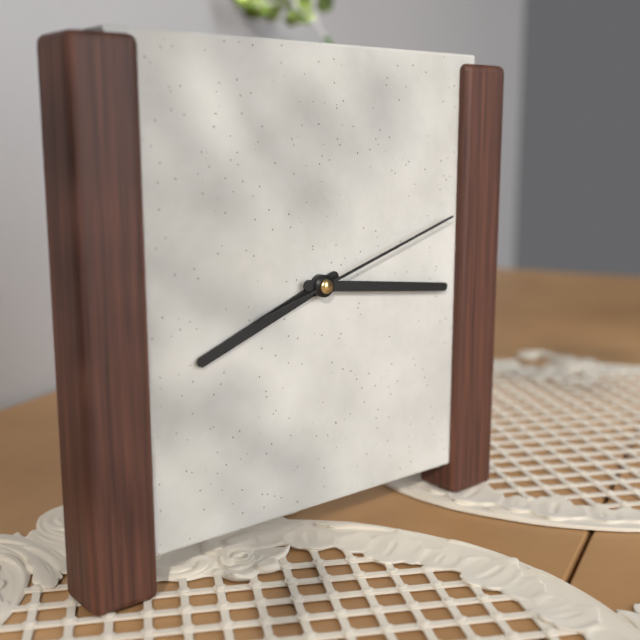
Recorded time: 8:16:12
